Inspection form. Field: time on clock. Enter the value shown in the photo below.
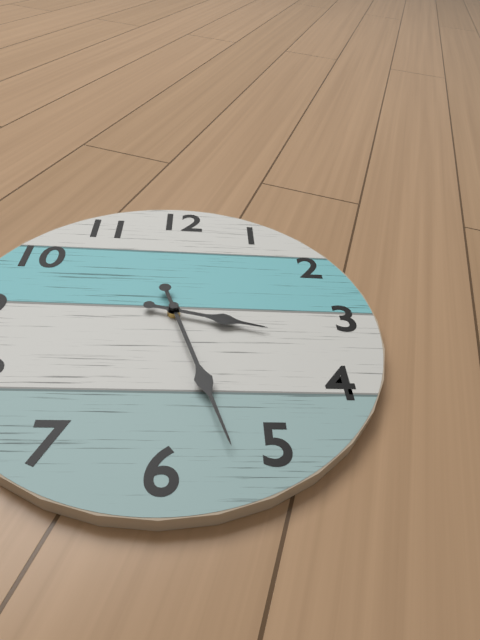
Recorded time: 3:27
